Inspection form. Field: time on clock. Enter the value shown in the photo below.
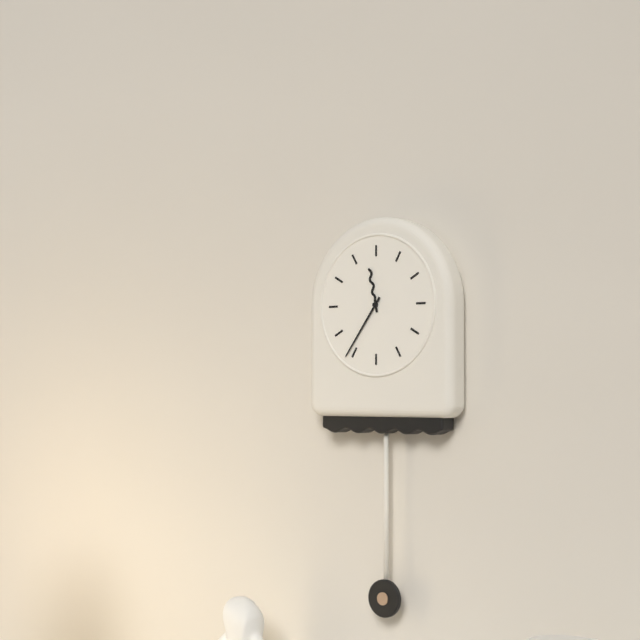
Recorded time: 11:36
